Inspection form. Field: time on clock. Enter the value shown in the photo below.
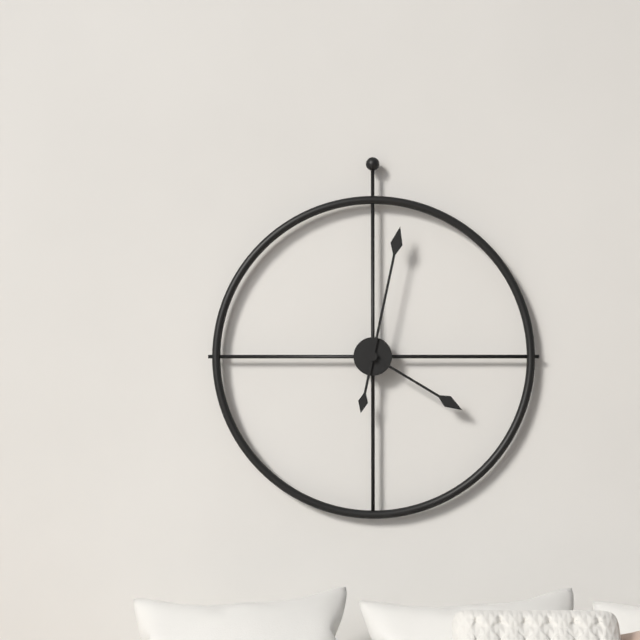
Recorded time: 4:02
